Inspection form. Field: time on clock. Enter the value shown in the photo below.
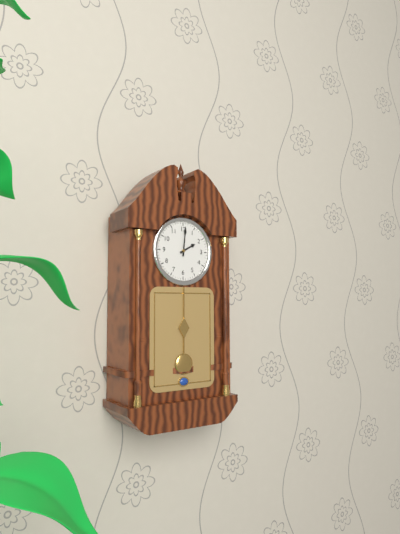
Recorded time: 2:01
